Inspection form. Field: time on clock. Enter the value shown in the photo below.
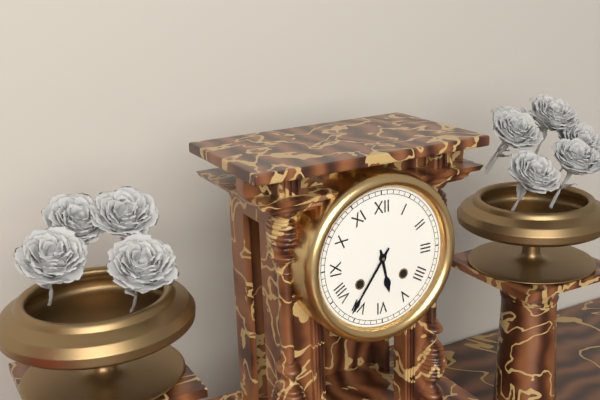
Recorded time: 5:36
